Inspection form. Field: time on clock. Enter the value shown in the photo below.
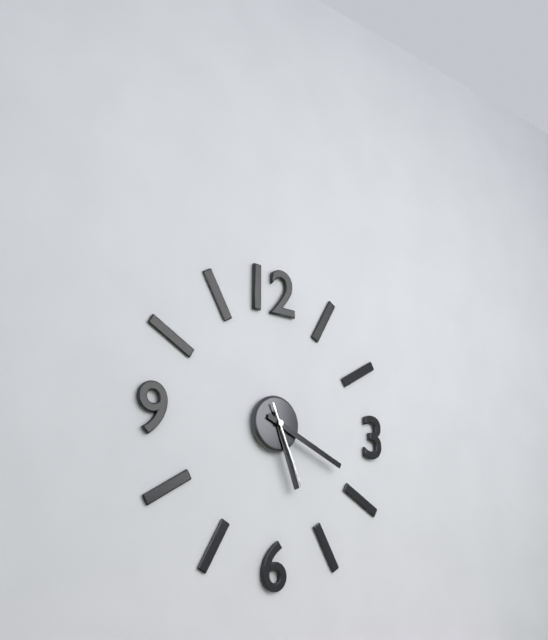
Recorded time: 5:19:26
